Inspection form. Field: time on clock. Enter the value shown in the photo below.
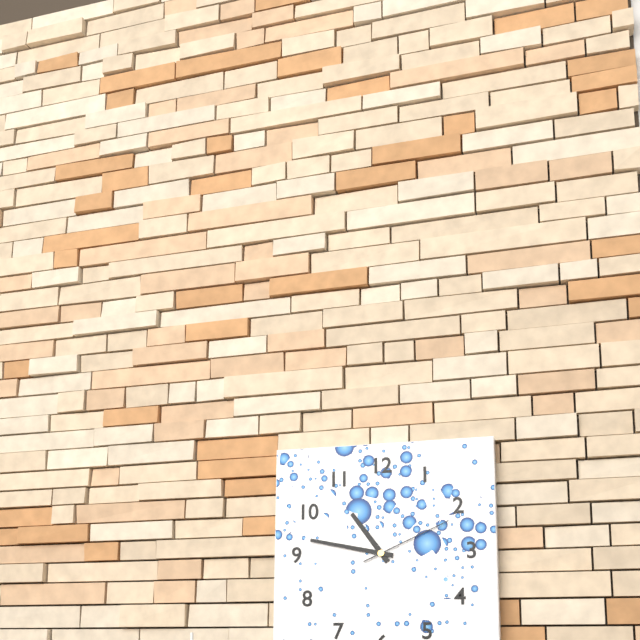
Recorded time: 10:47:11
